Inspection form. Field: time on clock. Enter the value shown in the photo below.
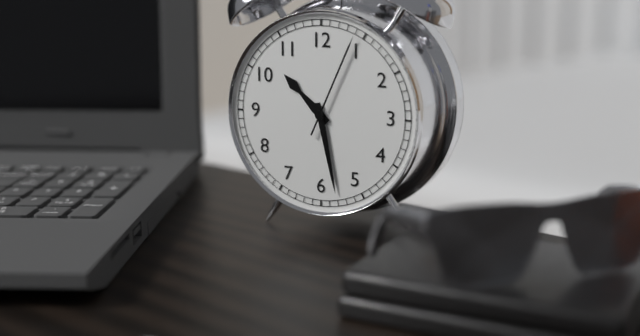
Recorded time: 10:28:04
